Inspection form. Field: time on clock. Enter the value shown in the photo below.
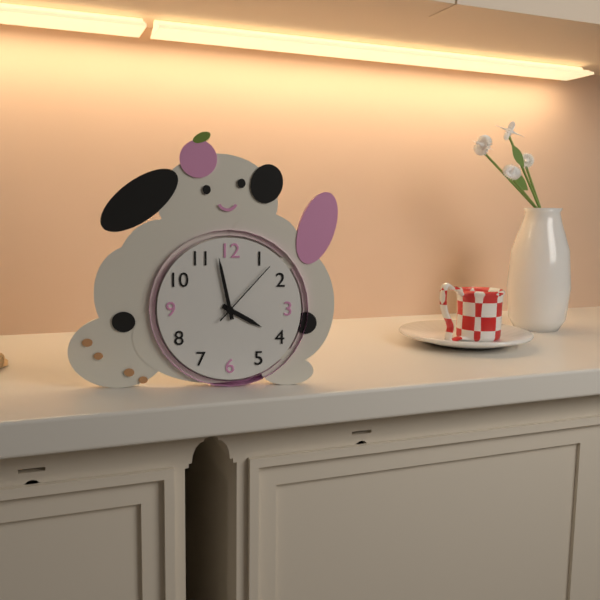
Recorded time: 3:58:07
